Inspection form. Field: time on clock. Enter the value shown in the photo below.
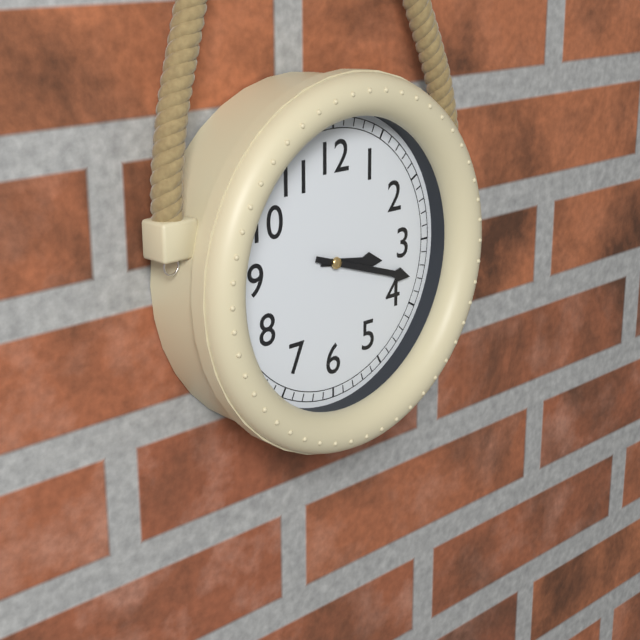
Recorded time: 3:18
